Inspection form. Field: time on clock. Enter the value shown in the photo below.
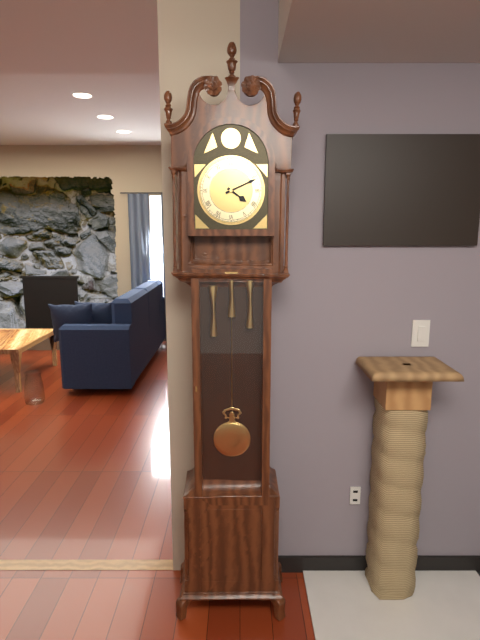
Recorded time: 4:11
